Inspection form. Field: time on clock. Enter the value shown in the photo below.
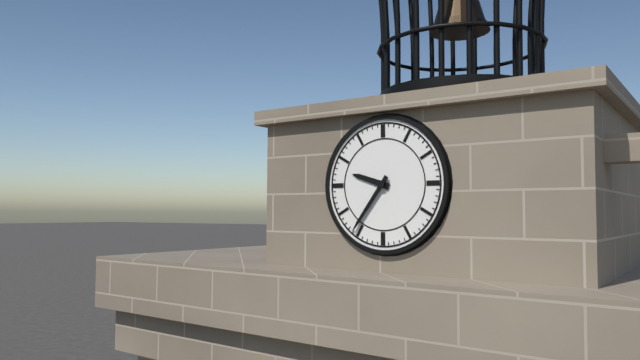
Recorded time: 9:36
